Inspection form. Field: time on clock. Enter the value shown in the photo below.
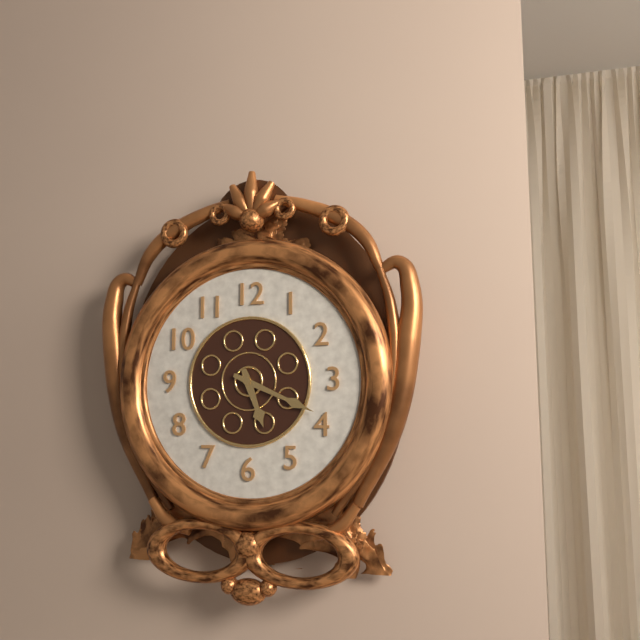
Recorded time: 5:19
